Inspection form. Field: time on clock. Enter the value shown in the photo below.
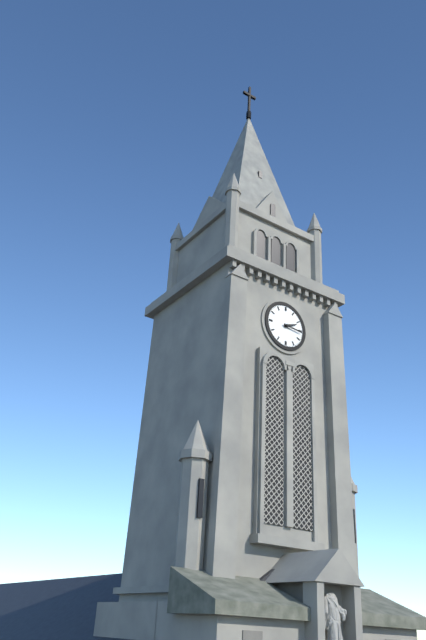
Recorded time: 2:16
